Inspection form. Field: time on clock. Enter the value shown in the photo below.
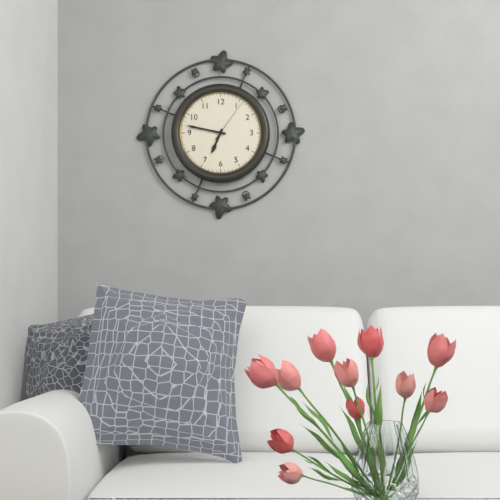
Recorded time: 6:47
